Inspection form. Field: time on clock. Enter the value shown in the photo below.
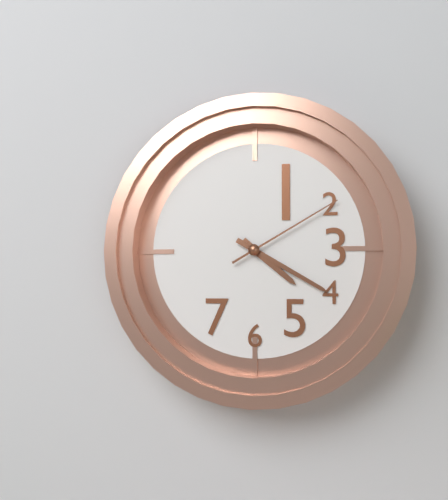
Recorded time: 4:20:10
